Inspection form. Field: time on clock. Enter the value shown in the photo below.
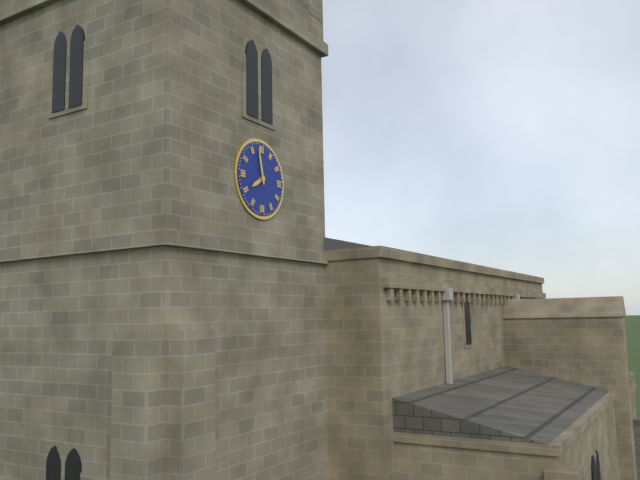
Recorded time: 7:58
